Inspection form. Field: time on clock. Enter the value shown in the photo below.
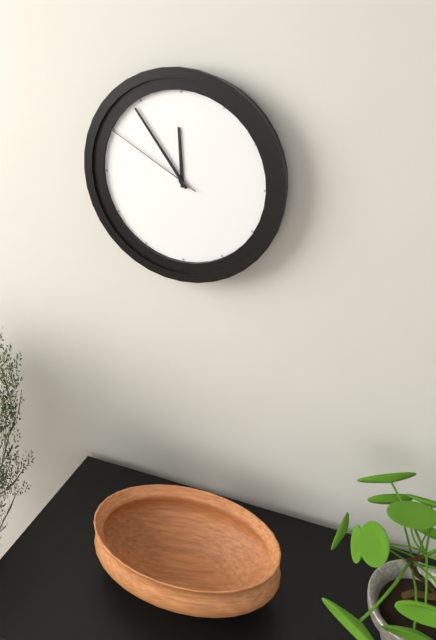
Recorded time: 11:54:50
